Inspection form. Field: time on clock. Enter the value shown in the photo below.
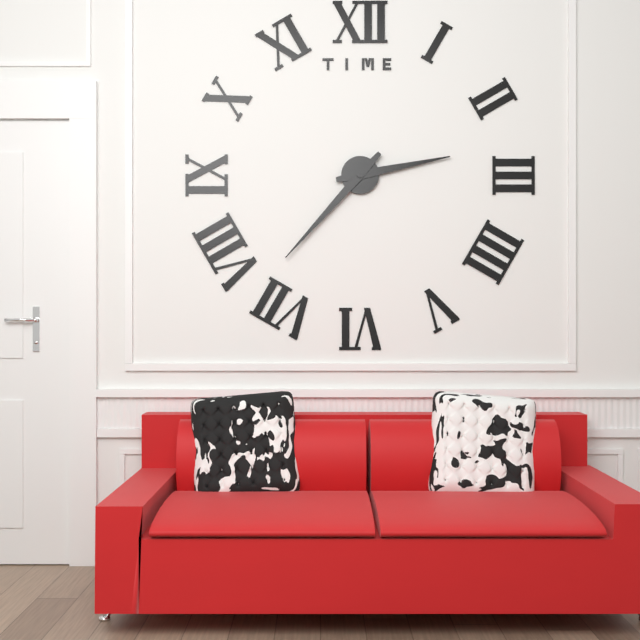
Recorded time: 2:37
